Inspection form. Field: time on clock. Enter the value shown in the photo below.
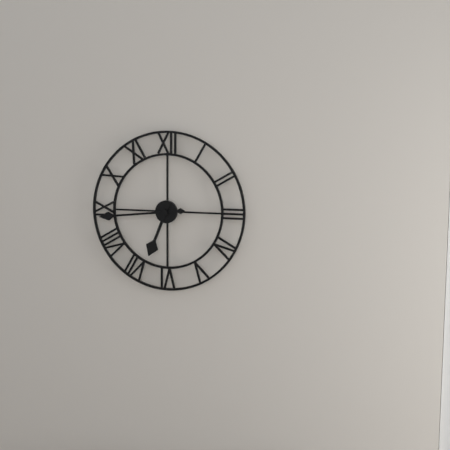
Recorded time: 6:44
